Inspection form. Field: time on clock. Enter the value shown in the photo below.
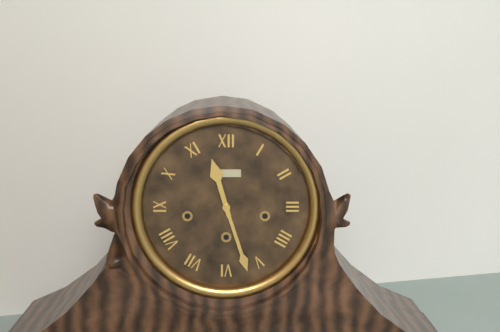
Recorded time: 11:27
